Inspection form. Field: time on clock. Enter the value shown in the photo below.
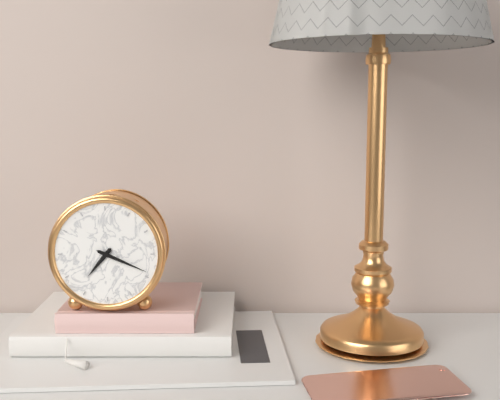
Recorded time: 7:19
